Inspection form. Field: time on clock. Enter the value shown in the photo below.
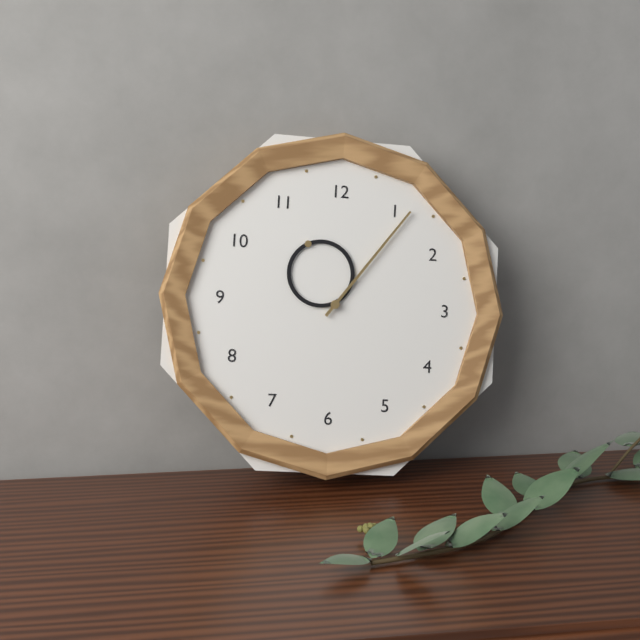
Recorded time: 11:06
